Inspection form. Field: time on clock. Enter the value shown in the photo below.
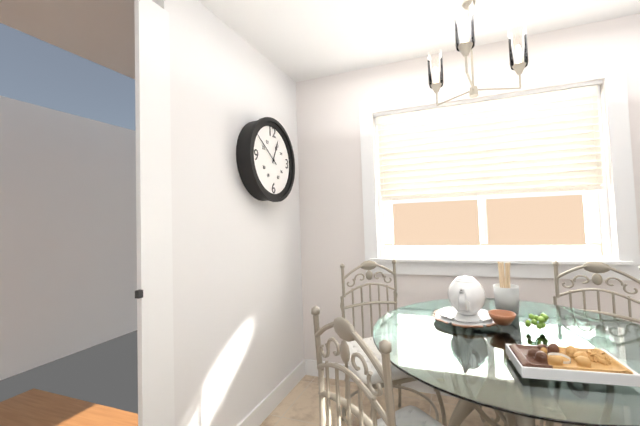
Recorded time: 12:51
